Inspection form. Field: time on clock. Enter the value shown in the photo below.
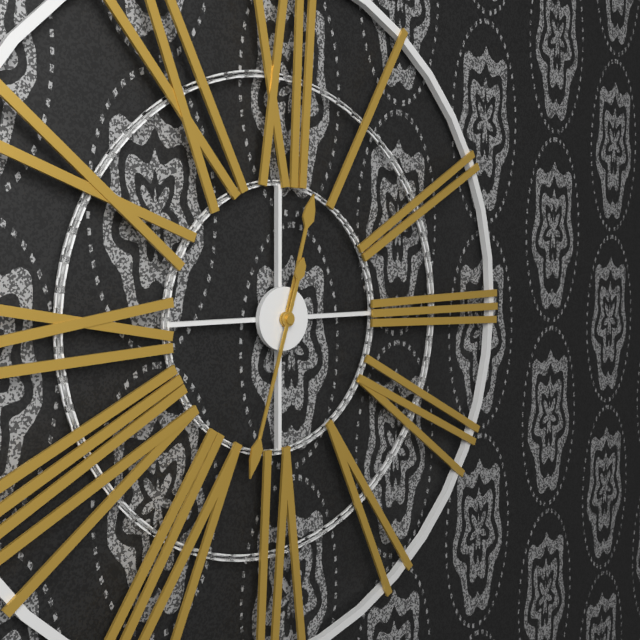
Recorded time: 12:33
